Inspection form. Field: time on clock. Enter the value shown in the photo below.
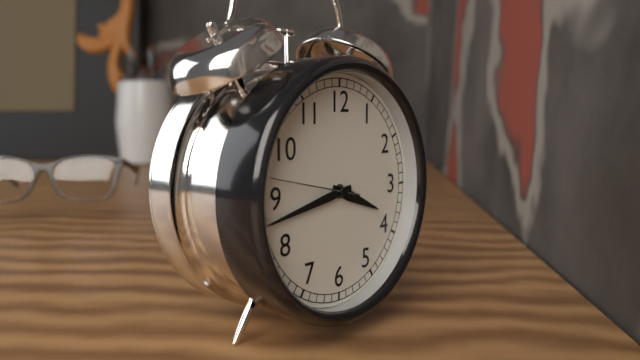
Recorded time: 3:43:47
